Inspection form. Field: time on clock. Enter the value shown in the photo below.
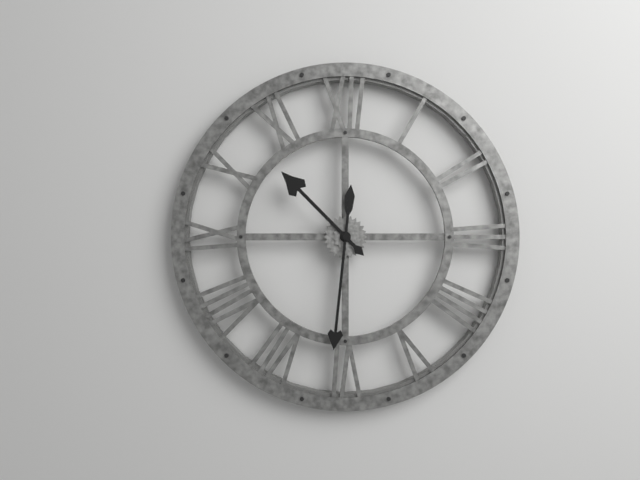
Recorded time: 10:31
